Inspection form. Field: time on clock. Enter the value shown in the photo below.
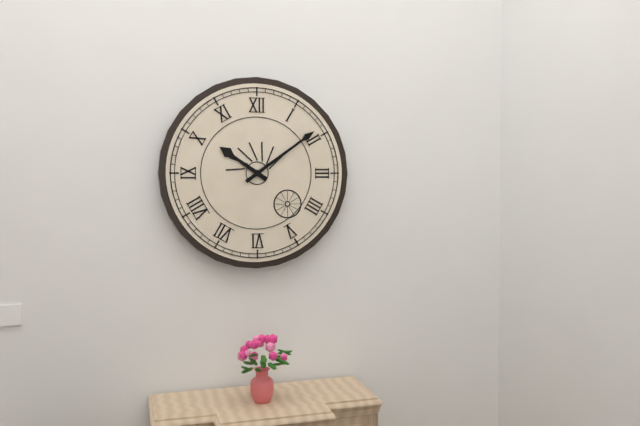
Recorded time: 10:09
